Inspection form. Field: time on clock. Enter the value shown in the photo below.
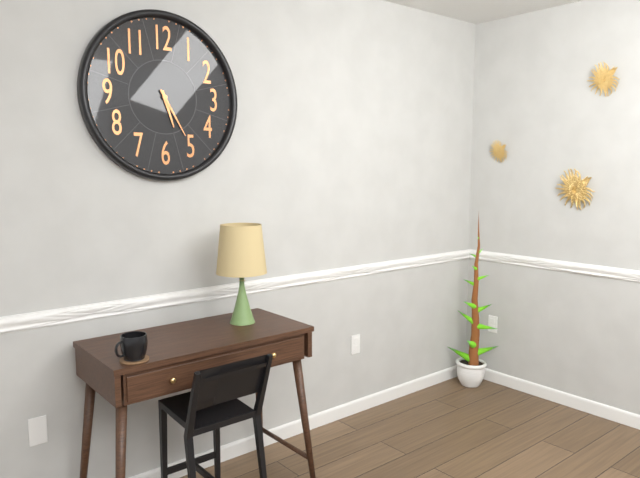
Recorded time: 5:25
